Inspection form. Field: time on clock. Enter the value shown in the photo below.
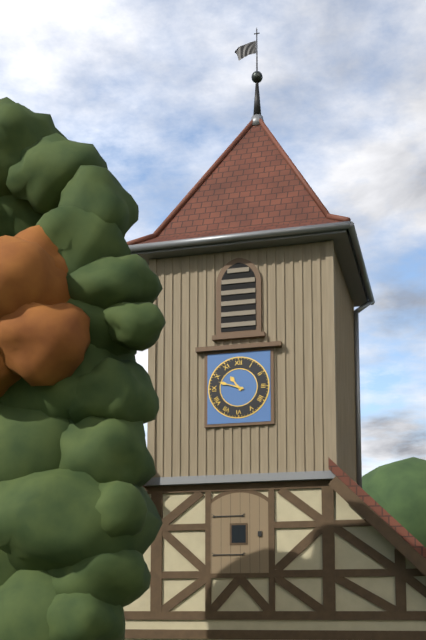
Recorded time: 10:48
